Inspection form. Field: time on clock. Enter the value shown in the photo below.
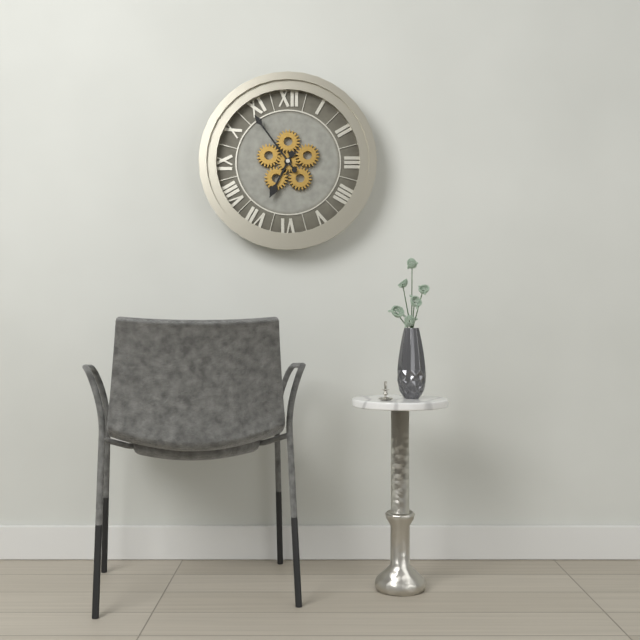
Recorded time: 6:54
